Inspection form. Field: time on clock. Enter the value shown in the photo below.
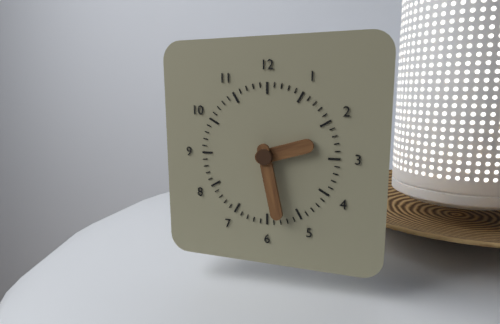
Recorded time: 2:28
